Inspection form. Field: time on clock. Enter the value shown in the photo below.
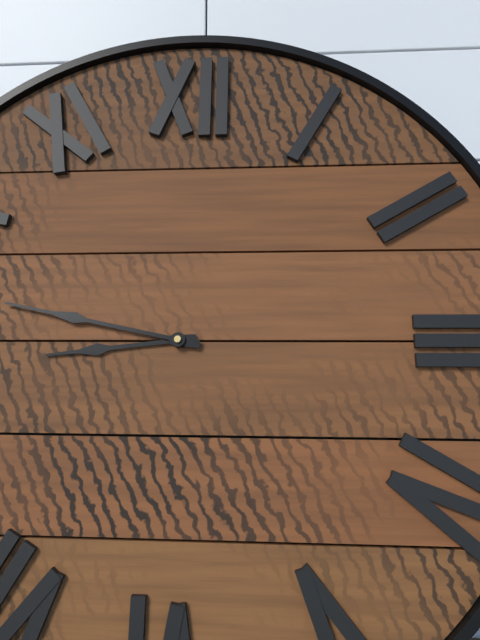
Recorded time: 8:47
